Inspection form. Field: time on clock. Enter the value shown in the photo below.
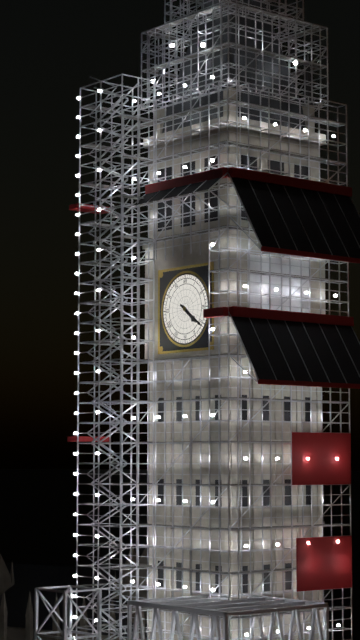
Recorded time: 4:21
